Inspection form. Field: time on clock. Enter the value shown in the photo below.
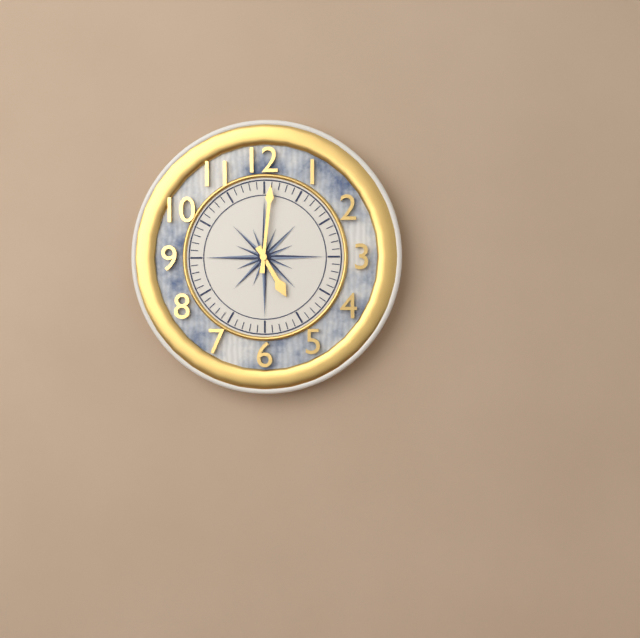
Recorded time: 5:01
